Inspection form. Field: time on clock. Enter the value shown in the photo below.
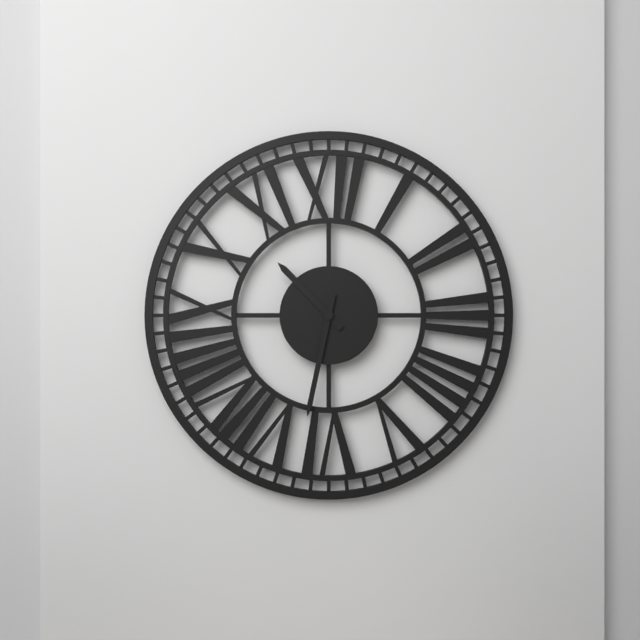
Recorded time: 10:32
